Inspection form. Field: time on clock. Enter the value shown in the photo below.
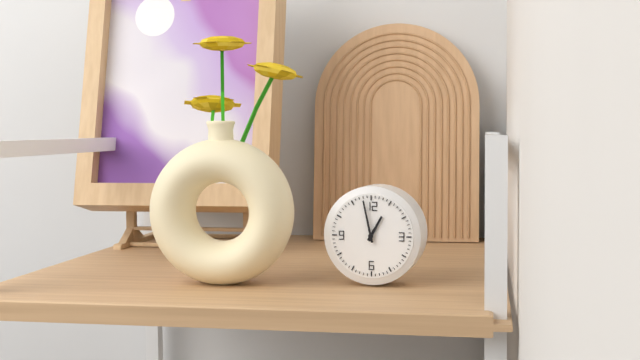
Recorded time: 12:58
